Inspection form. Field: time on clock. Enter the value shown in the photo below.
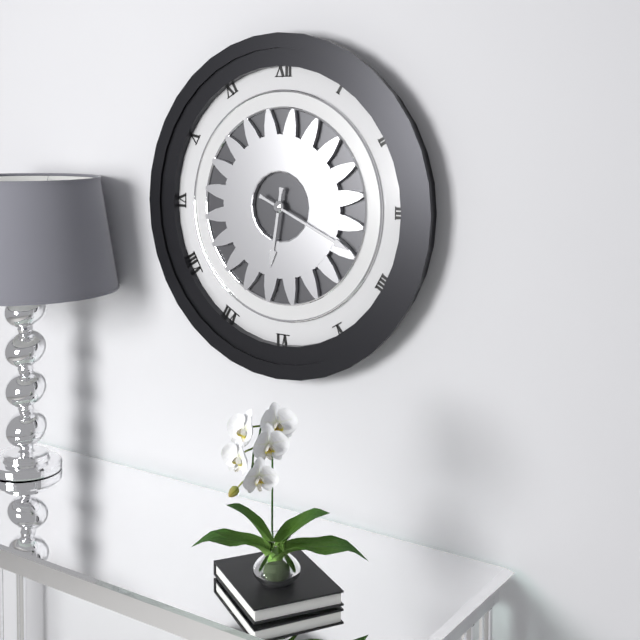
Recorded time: 6:19
